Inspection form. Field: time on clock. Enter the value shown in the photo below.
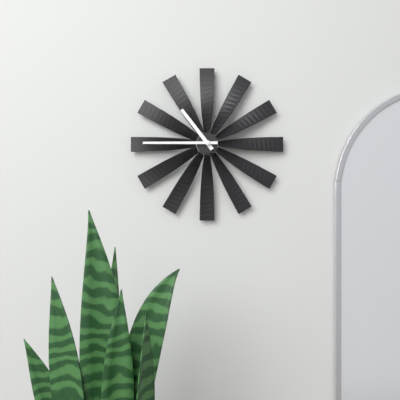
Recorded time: 10:45
